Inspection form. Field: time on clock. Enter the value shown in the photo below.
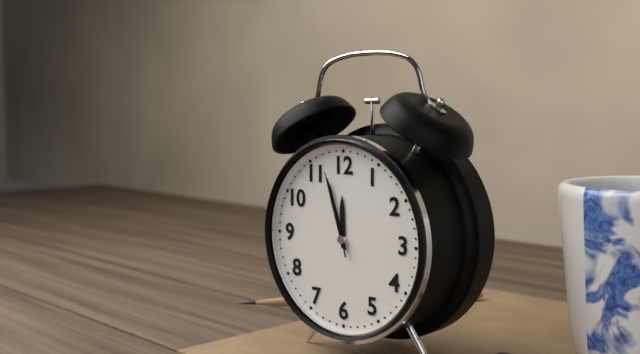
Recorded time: 11:57:57
